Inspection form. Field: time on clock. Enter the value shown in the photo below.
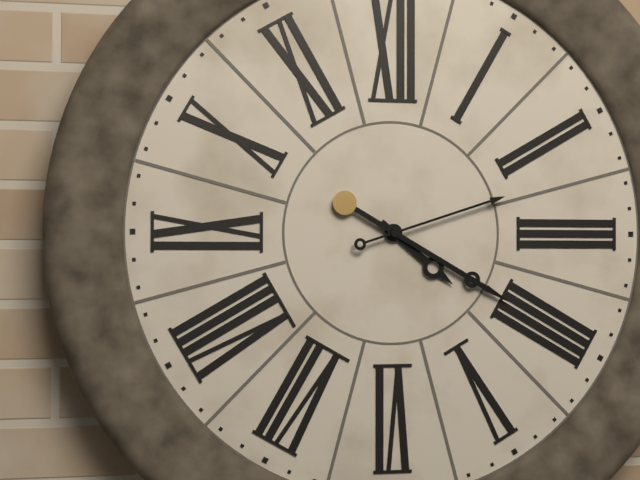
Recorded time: 4:20:12
